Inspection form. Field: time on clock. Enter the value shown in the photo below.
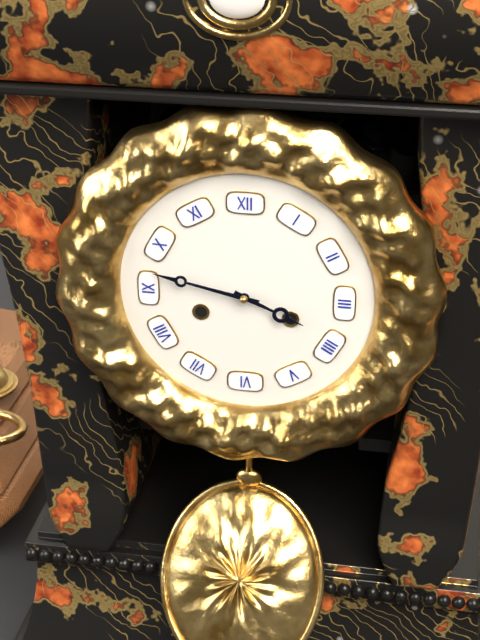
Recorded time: 3:47
